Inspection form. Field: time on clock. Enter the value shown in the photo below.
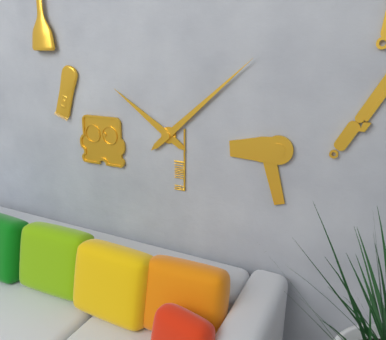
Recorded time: 10:08
